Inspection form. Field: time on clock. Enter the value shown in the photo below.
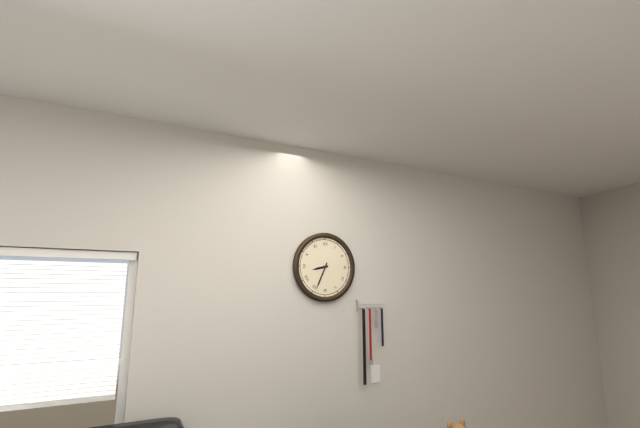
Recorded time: 8:34
